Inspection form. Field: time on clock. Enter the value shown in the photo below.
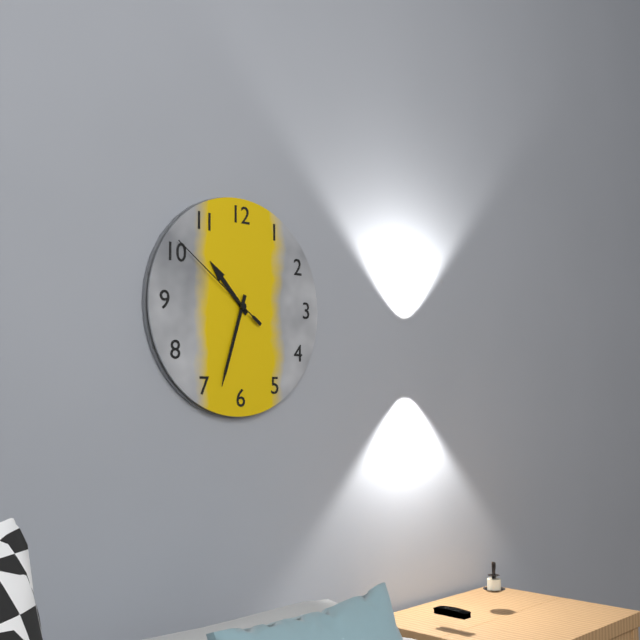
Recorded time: 10:33:51
